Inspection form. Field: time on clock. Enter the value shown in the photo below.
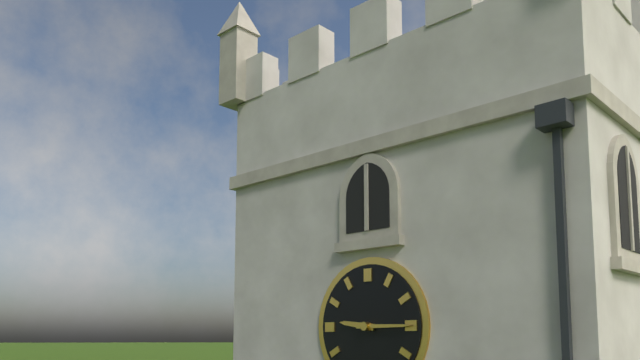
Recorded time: 9:15
